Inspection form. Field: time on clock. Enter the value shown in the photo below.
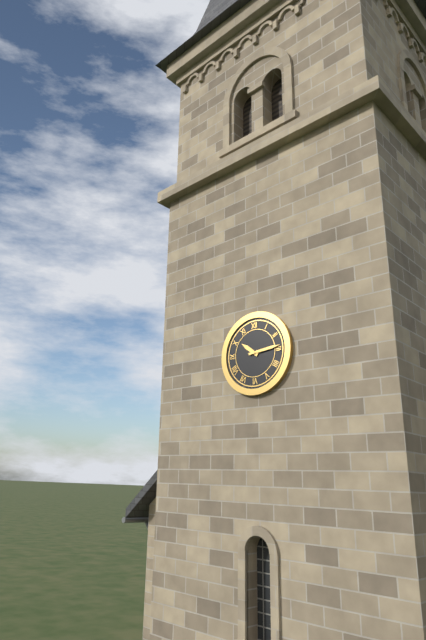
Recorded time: 10:14
